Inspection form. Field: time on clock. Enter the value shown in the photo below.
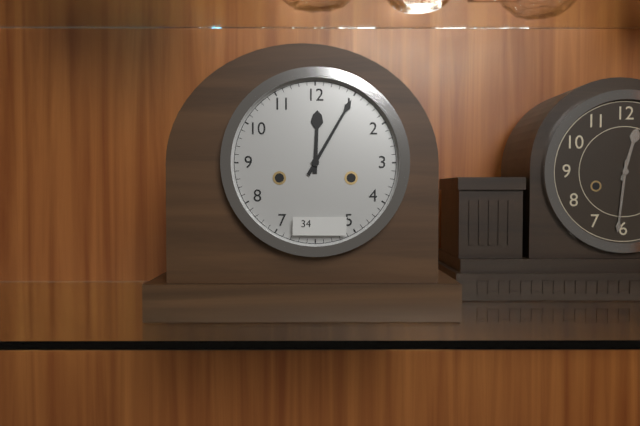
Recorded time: 12:05
